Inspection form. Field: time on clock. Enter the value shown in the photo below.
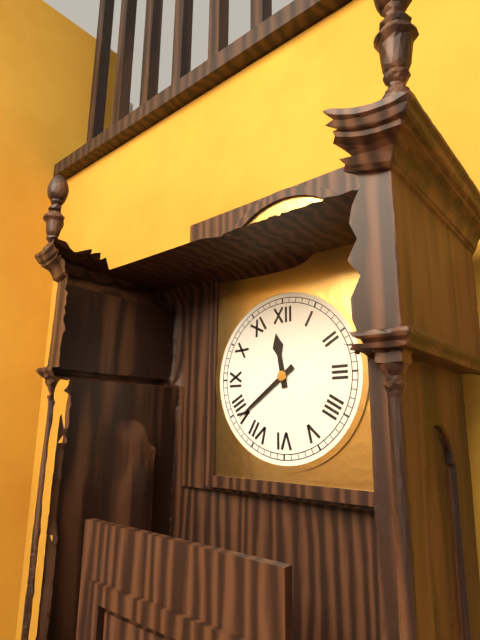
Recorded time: 11:39
